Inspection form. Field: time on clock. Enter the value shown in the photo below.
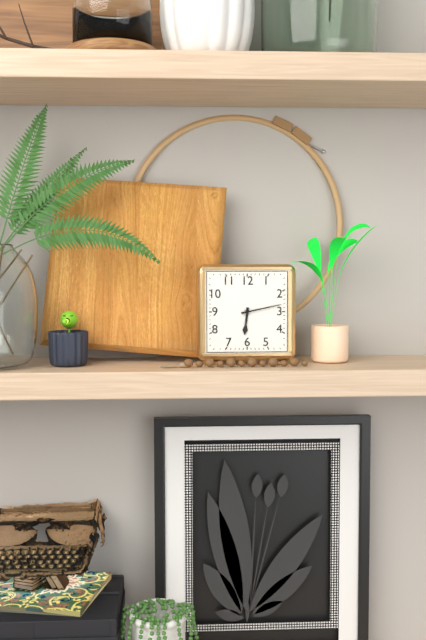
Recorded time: 6:13
